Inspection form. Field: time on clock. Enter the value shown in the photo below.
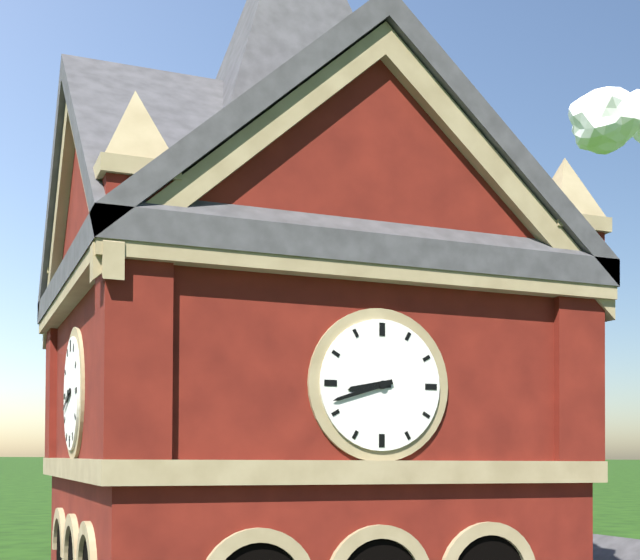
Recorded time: 8:42
